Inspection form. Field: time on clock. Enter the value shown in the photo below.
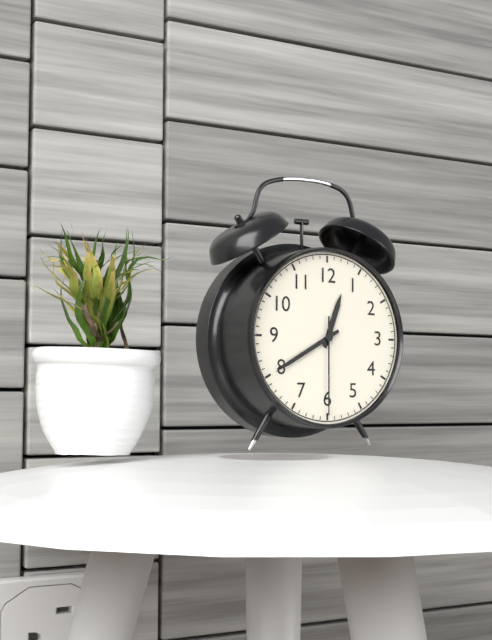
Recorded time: 12:40:30
